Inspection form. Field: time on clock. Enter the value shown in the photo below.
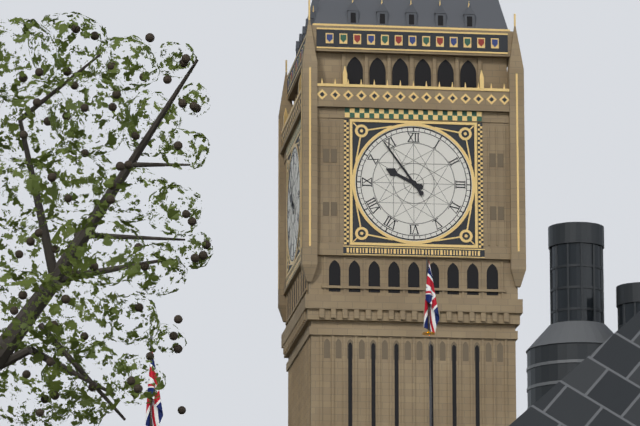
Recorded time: 9:54
